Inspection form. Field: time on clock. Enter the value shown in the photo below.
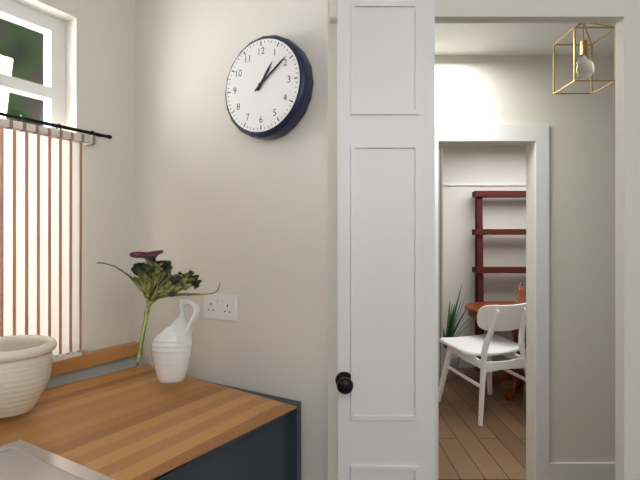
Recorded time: 1:09
